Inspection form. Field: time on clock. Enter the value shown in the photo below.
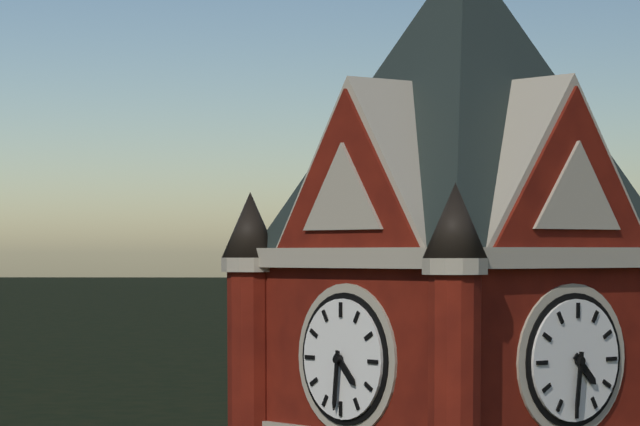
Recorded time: 4:31
